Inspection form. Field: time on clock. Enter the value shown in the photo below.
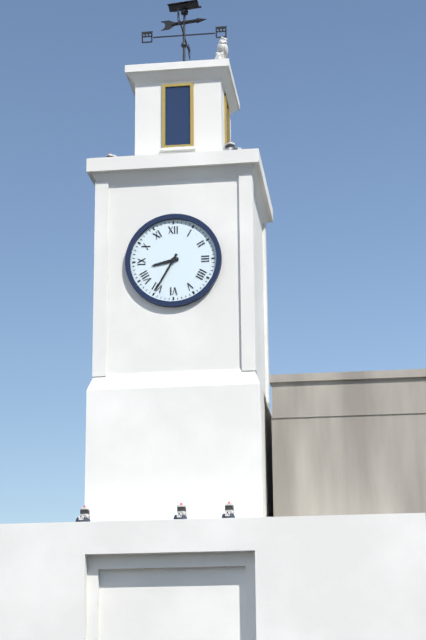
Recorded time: 8:35
